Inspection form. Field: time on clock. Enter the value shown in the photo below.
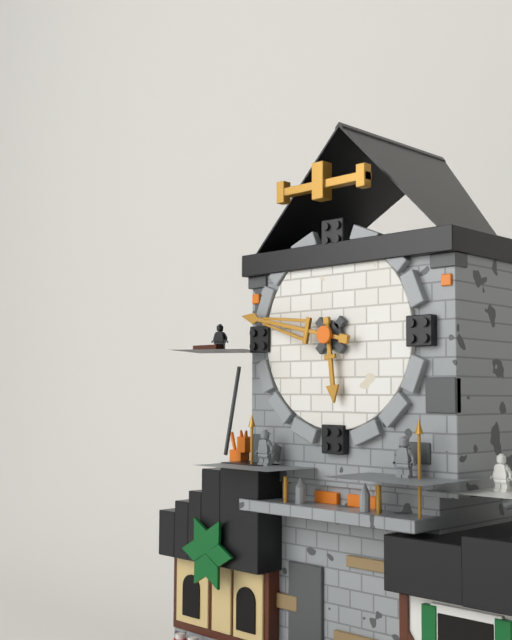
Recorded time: 5:47
